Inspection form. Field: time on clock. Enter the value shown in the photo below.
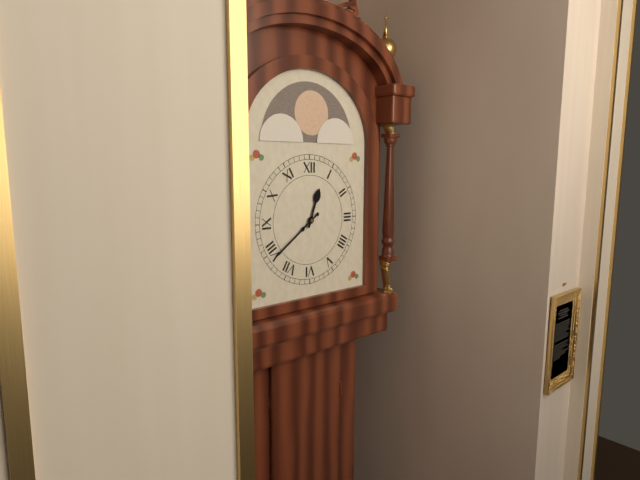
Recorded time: 12:39
